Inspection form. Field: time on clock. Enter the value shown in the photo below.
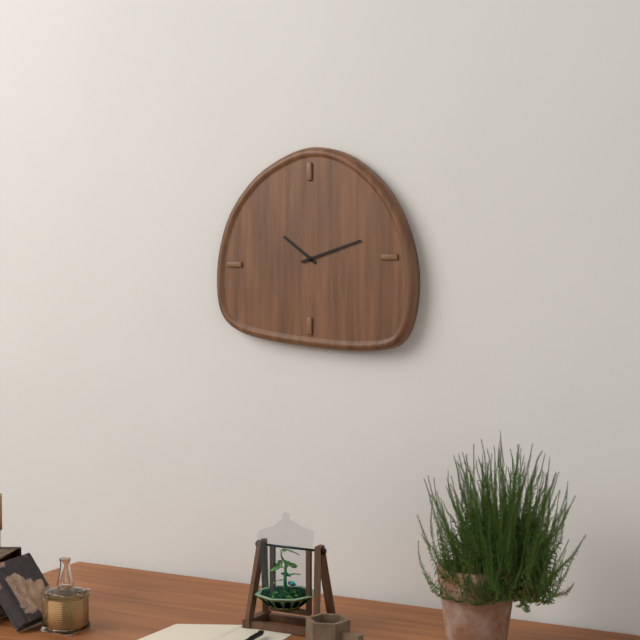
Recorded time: 10:12
